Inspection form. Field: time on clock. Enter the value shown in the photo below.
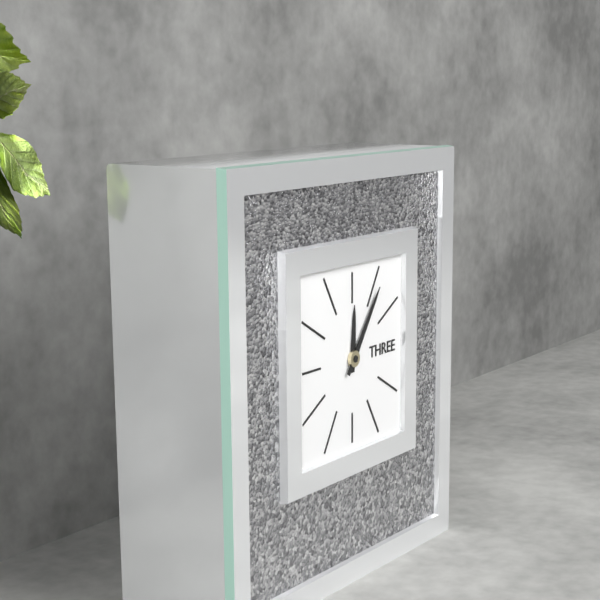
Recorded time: 12:06
